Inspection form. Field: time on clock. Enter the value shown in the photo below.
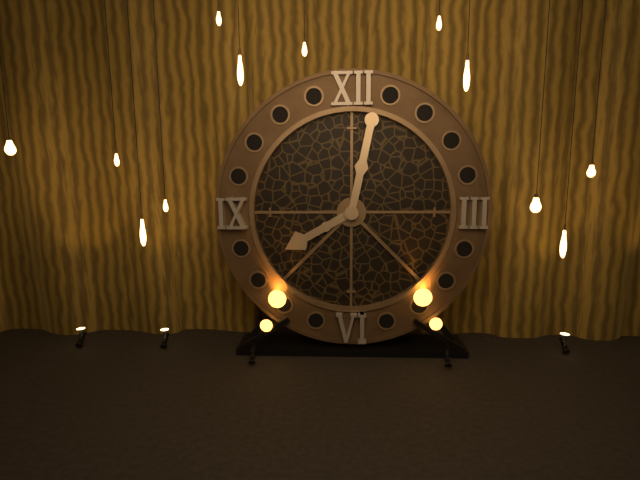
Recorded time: 8:02
